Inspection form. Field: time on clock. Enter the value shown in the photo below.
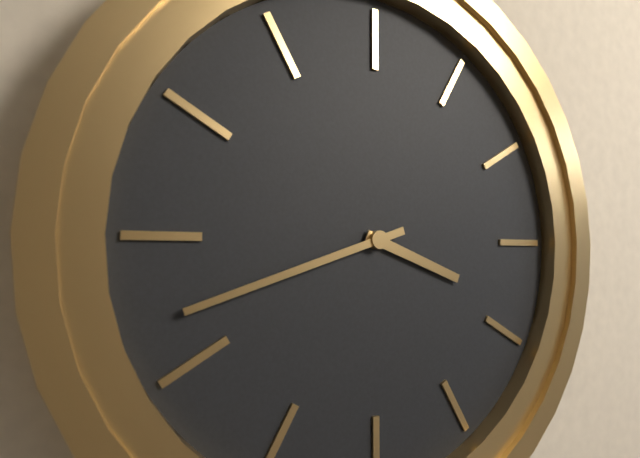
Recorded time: 3:42
